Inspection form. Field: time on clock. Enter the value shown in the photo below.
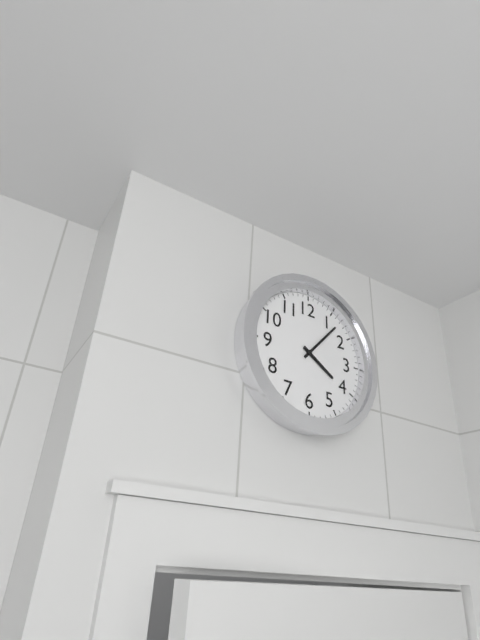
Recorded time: 4:07
